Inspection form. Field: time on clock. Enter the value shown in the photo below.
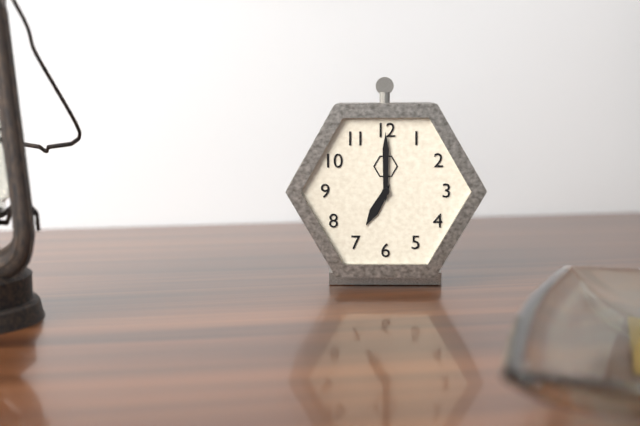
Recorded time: 7:00
